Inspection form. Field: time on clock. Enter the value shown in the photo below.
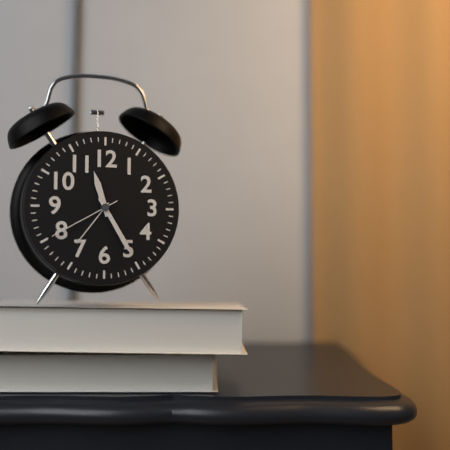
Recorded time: 11:25:40
